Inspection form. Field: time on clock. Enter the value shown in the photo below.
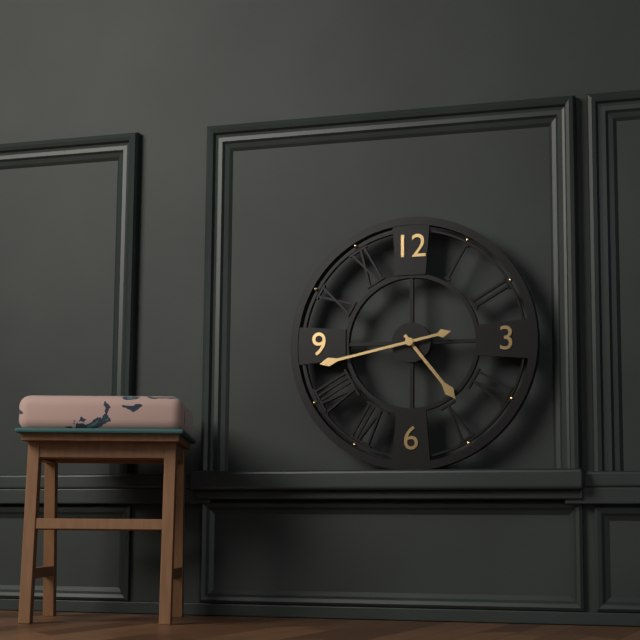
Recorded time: 4:43
